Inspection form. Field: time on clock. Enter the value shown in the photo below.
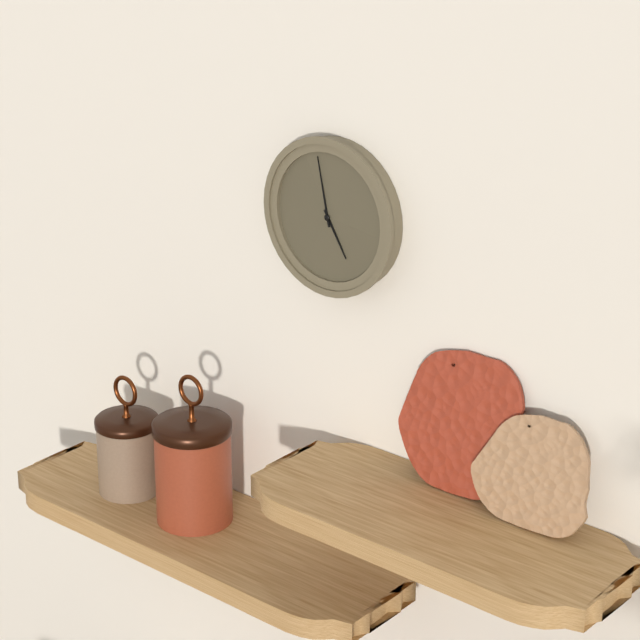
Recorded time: 4:58
